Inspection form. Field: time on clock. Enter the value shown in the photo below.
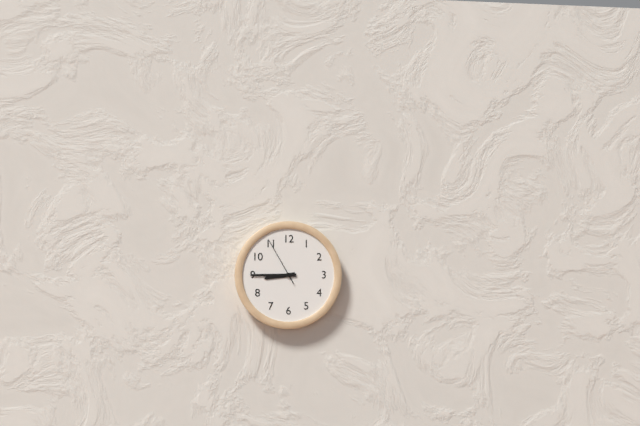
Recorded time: 8:45:55
